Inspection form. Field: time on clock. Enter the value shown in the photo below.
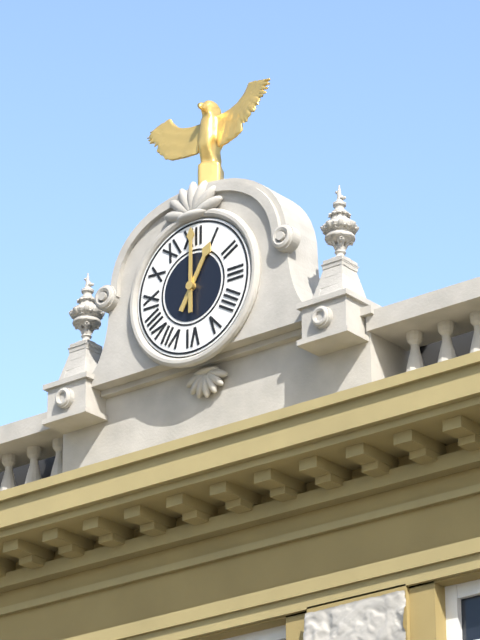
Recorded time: 1:00
